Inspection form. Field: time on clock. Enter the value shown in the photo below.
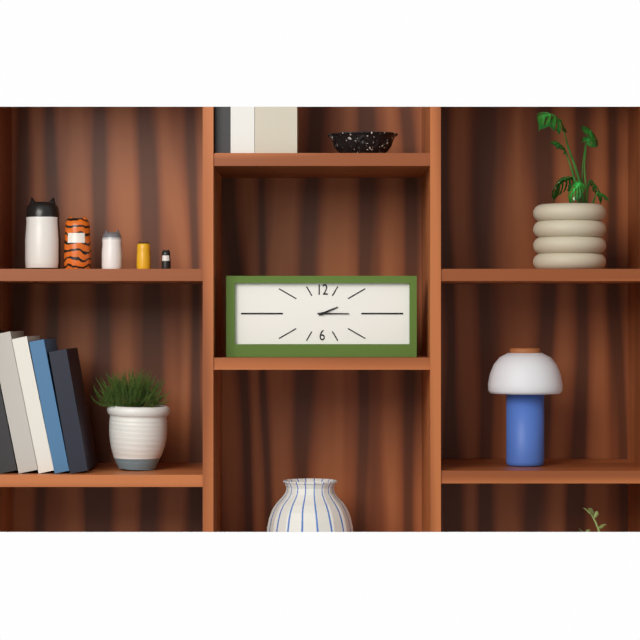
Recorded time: 2:15
